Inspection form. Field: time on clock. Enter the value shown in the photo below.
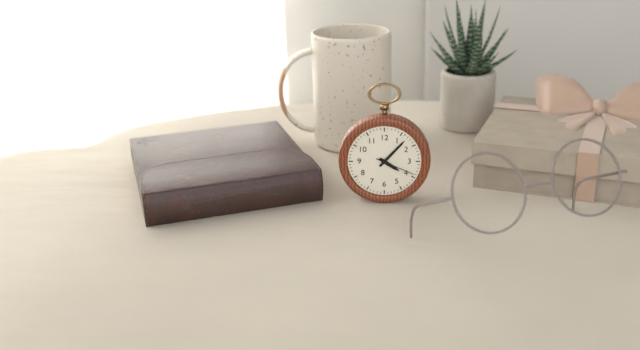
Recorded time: 4:07
